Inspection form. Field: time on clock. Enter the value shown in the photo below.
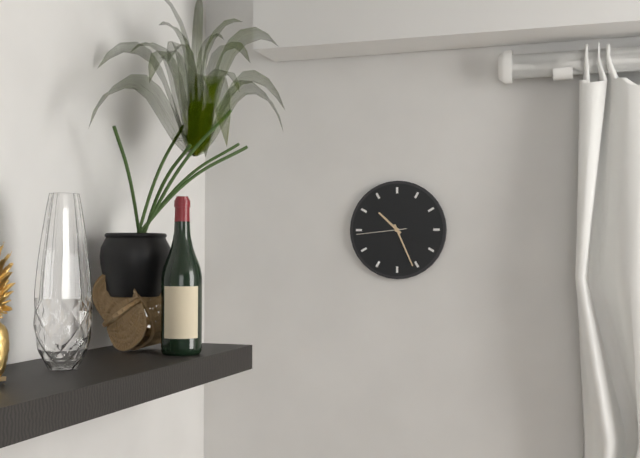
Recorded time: 10:26:44
